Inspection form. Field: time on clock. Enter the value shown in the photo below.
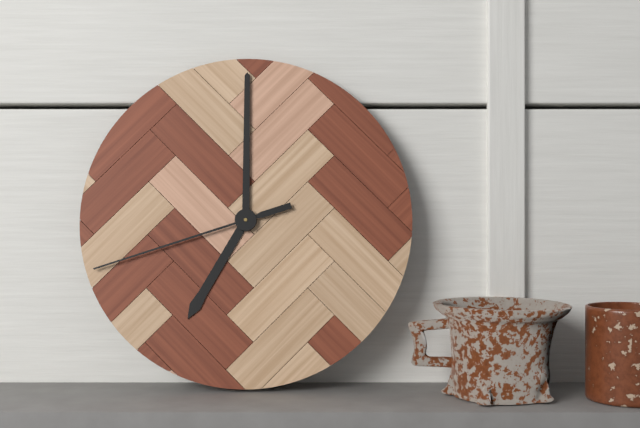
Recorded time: 7:00:42
